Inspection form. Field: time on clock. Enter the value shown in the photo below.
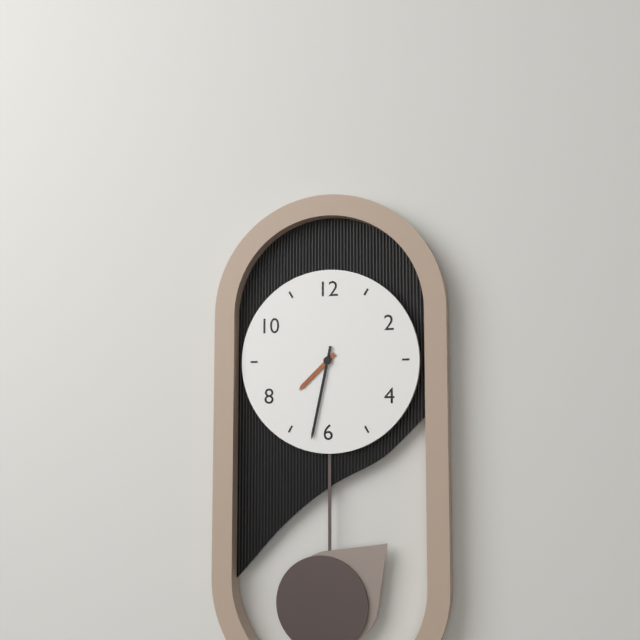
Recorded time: 7:32
